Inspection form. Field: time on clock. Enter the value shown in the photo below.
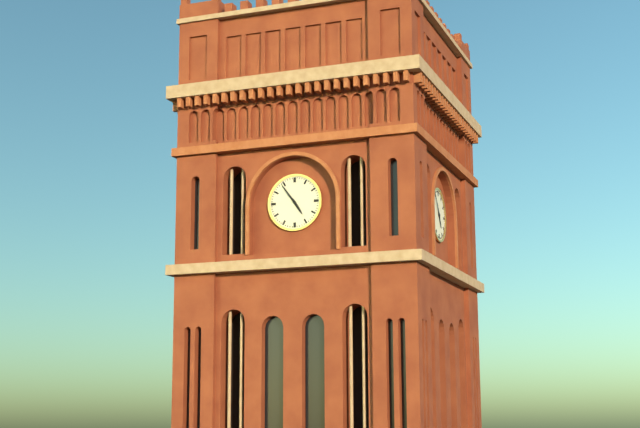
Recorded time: 4:54
